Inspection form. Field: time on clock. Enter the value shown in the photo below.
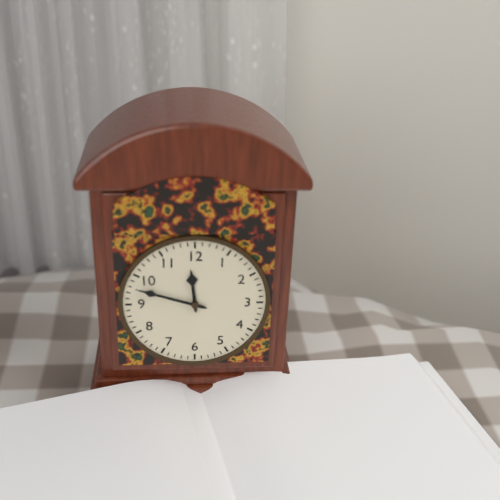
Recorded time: 11:48
